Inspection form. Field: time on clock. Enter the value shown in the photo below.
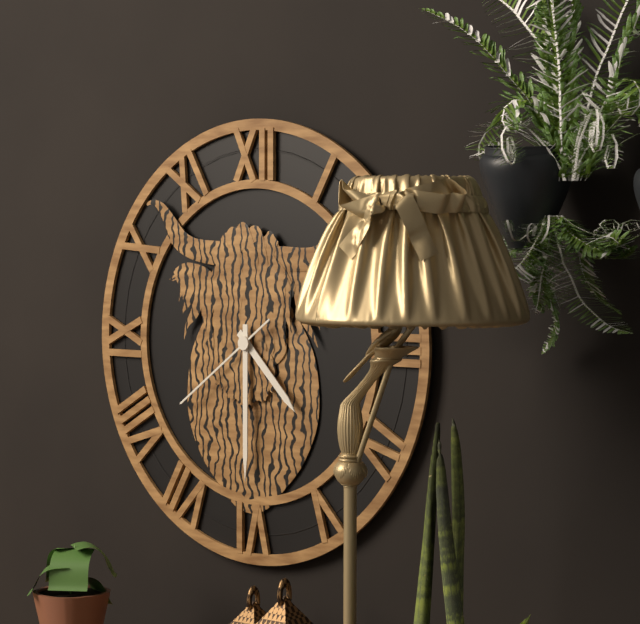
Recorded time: 4:30:39
